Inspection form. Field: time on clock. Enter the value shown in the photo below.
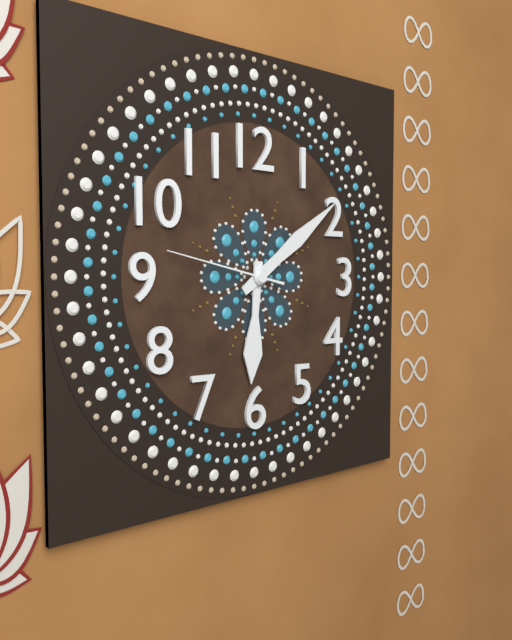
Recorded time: 6:09:47
